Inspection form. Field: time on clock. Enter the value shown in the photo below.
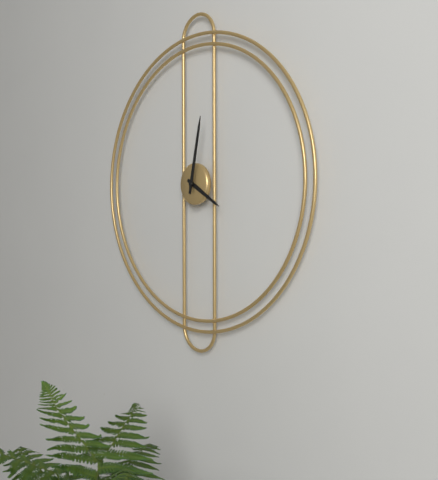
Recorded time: 4:02
